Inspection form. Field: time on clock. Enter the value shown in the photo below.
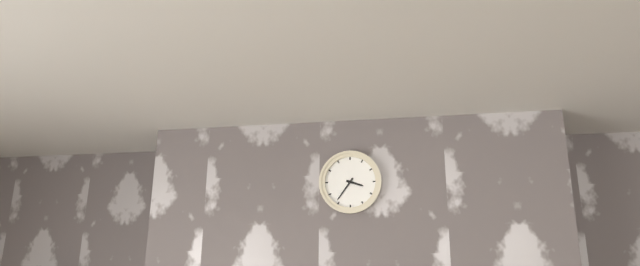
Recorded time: 3:36
